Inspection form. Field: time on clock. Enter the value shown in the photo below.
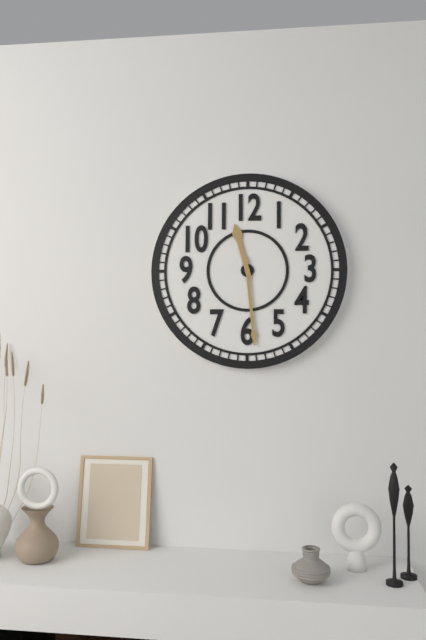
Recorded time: 11:29
